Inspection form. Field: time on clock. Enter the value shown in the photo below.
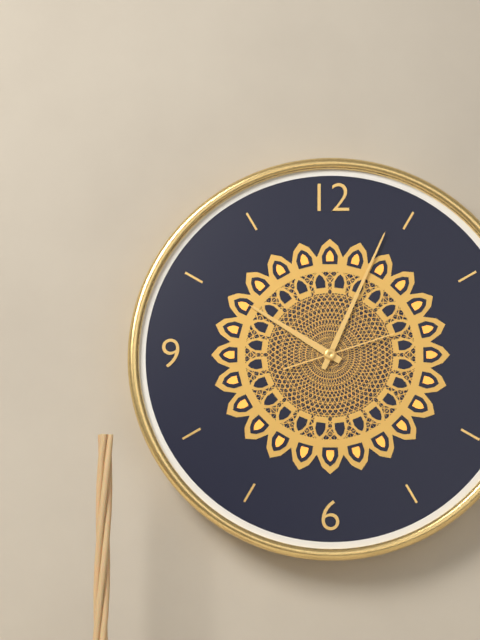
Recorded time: 10:04:12
